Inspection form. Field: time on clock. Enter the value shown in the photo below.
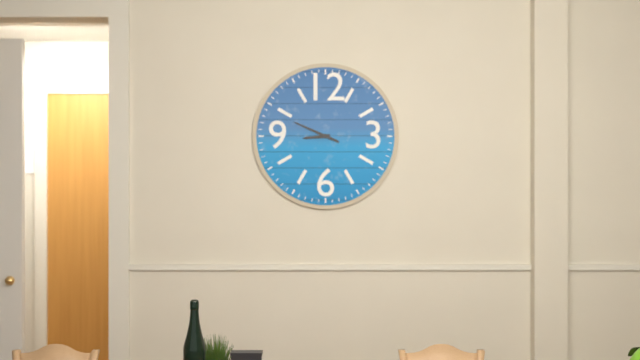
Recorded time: 8:49
